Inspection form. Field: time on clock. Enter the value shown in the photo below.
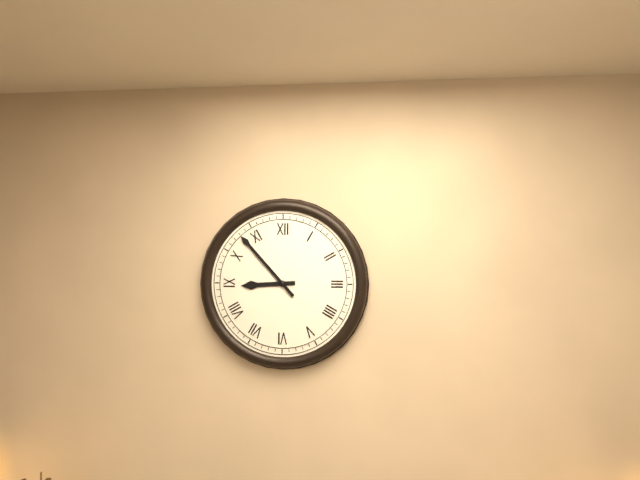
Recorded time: 8:53
